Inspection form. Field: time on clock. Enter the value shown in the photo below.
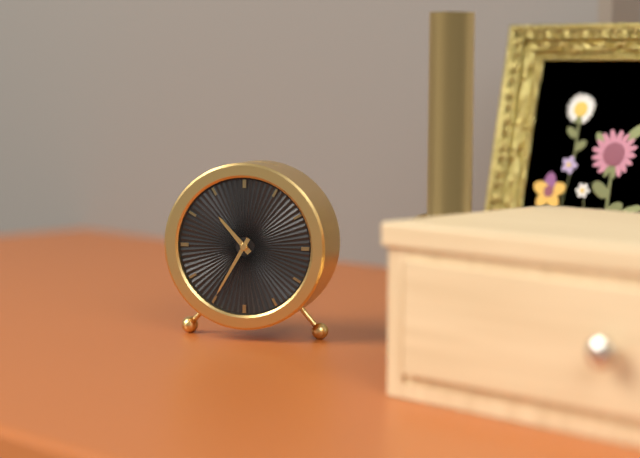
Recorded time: 10:35
